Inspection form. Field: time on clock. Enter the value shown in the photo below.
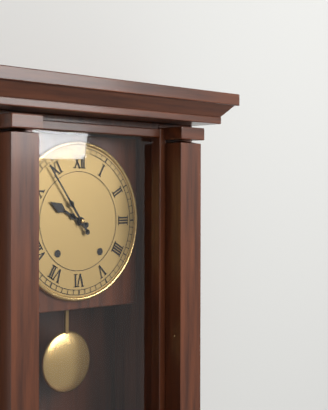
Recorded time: 9:54
